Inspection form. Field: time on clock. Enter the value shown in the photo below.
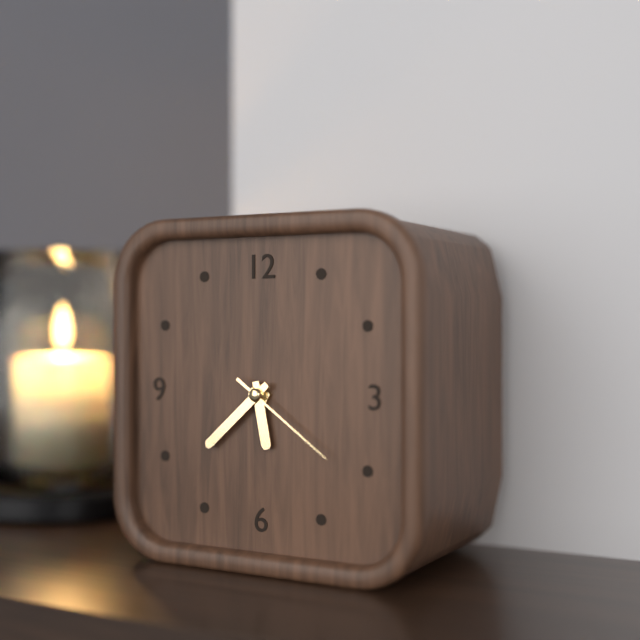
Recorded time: 5:38:21
